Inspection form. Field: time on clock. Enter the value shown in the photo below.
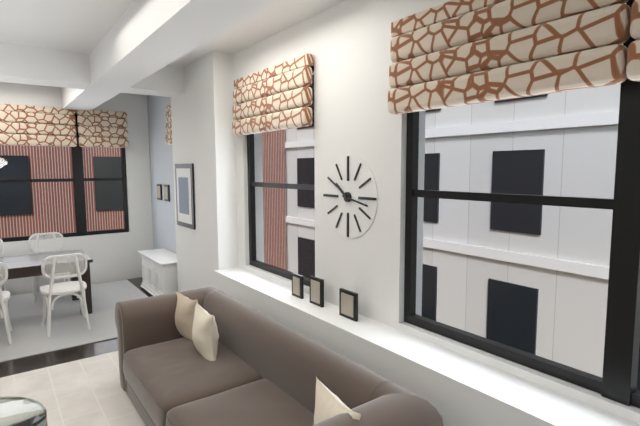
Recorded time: 10:17
